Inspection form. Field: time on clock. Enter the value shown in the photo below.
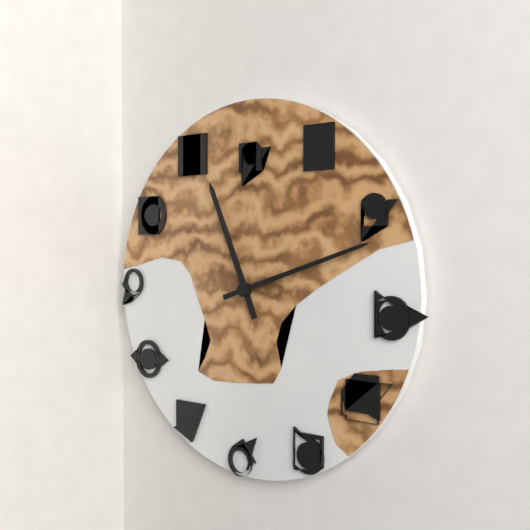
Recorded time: 11:12
